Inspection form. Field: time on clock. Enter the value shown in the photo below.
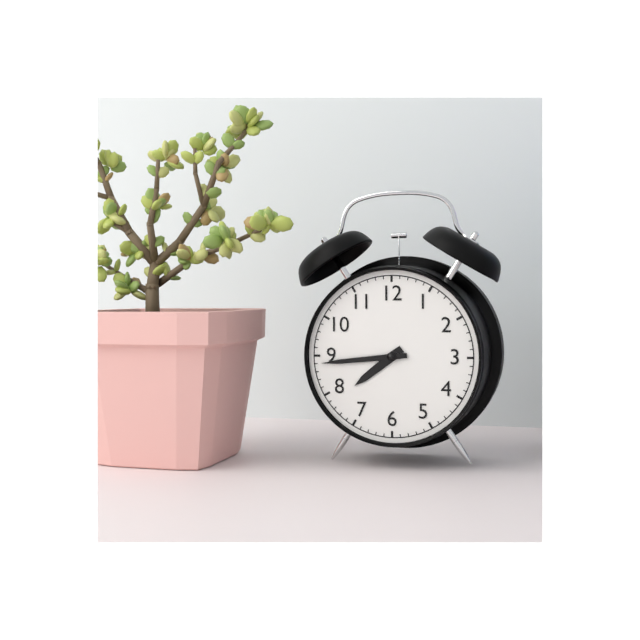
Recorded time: 7:44
